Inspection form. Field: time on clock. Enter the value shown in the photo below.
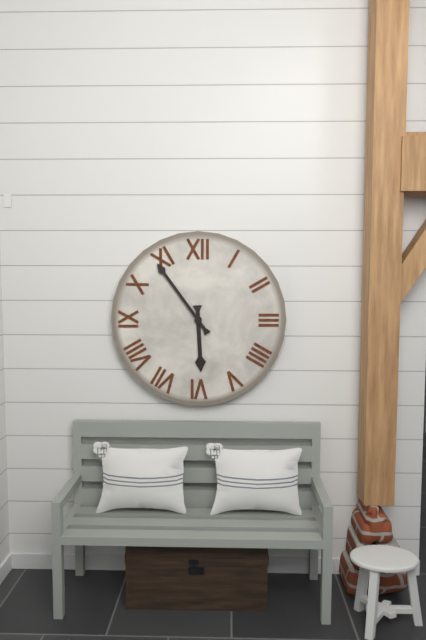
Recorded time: 5:54
